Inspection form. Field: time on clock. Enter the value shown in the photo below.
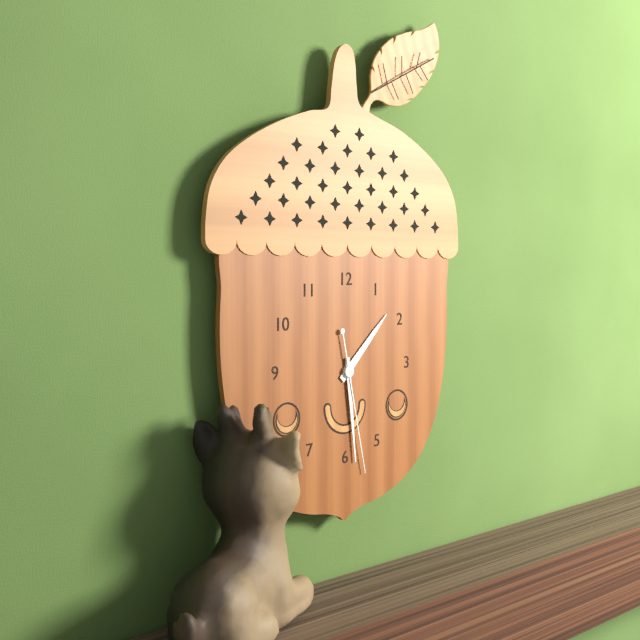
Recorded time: 1:29:28
